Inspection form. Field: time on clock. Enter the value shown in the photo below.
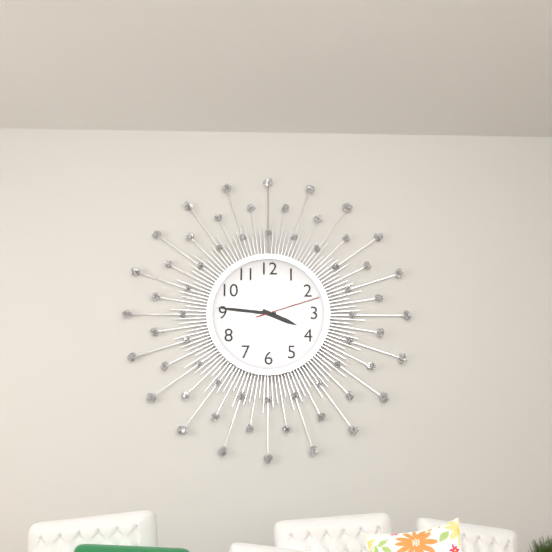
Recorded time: 3:46:12
